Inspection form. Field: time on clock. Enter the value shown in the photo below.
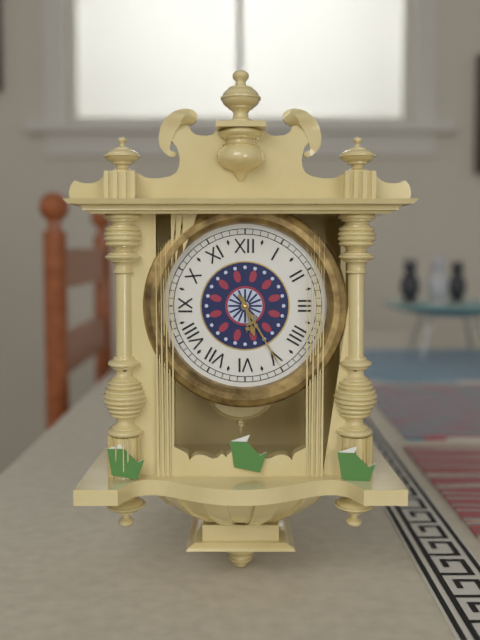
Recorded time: 5:25
